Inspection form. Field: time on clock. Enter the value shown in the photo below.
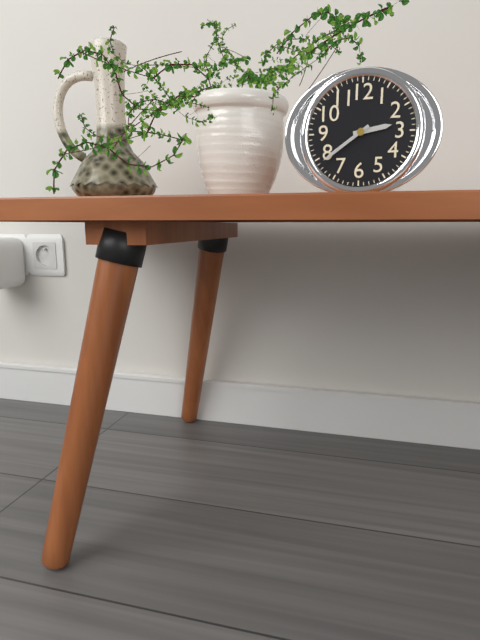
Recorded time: 2:39
